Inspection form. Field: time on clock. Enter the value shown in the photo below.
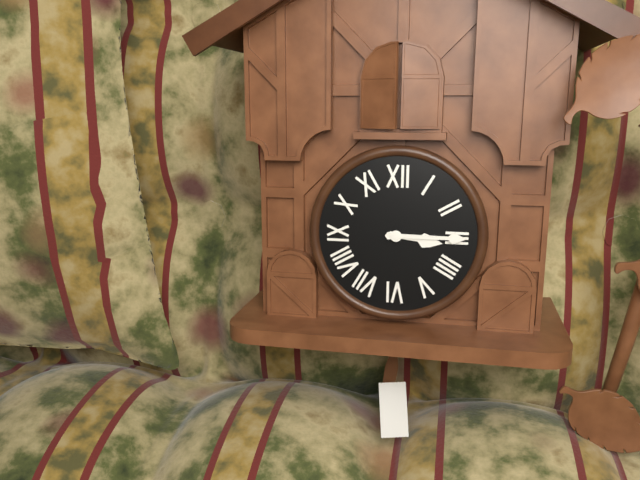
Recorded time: 3:15
